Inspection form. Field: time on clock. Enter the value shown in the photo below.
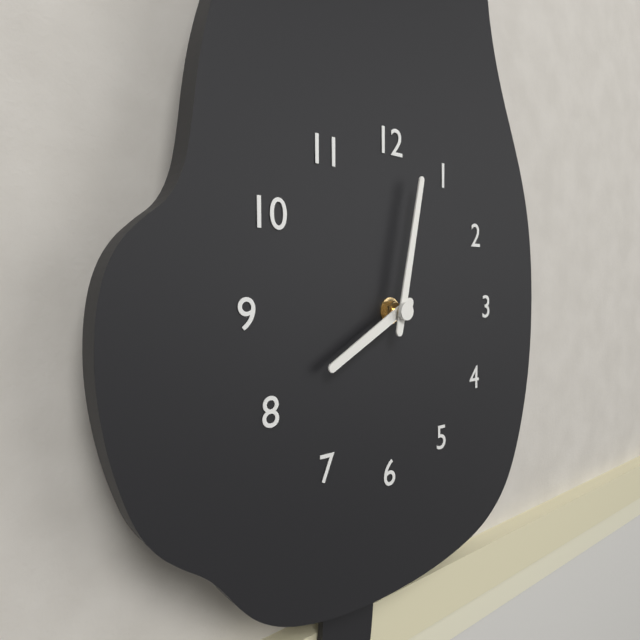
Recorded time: 8:02
